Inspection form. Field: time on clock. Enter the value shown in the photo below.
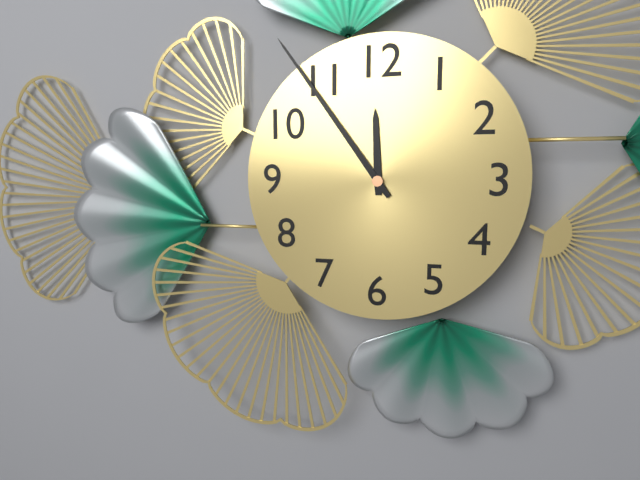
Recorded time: 11:54
